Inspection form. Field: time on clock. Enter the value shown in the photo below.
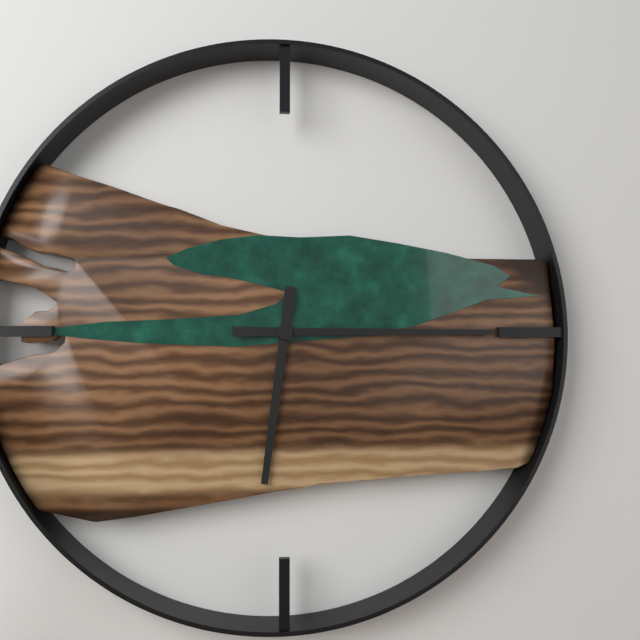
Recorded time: 6:15
